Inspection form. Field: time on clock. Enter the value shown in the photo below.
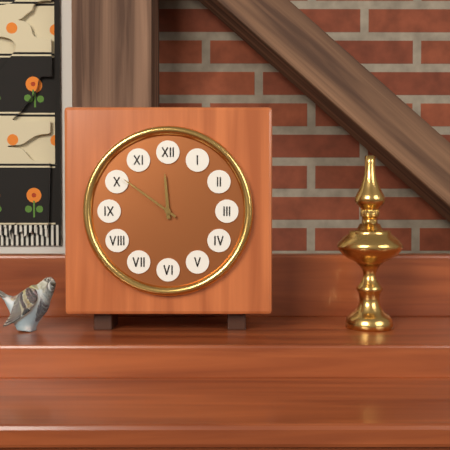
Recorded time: 11:51
